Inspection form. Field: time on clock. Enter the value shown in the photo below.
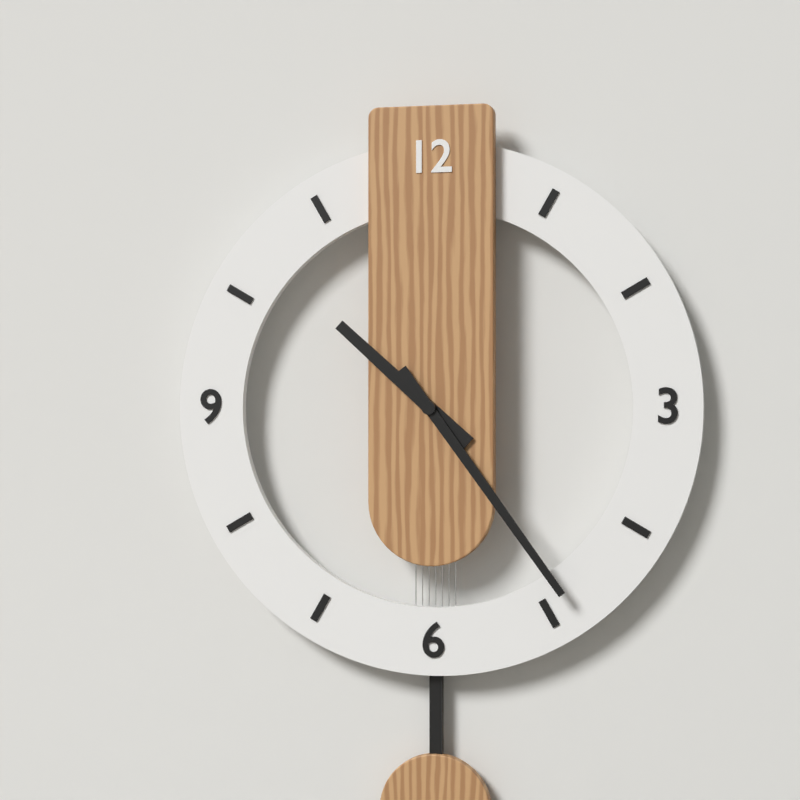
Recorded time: 10:24
